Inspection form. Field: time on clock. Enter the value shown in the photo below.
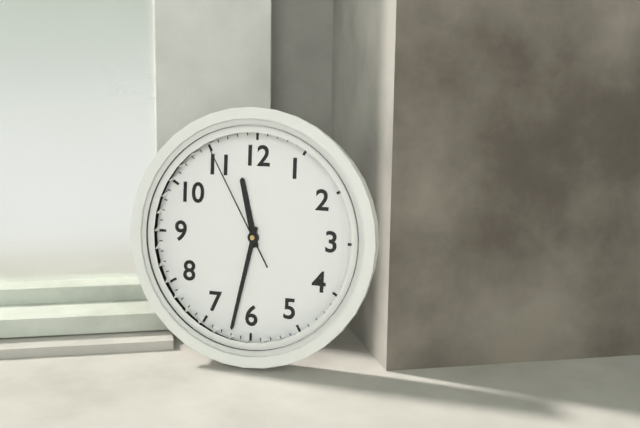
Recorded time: 11:32:55
